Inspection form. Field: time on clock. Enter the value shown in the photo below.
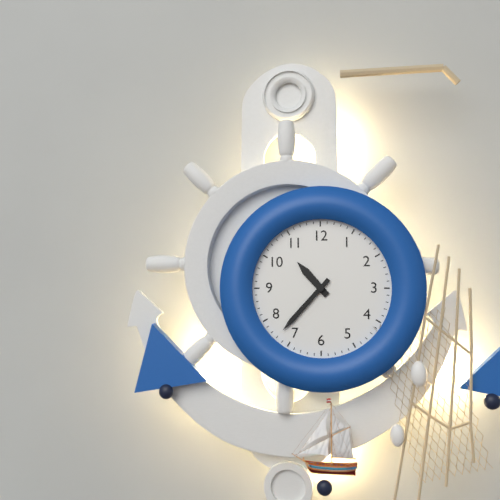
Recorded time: 10:37
